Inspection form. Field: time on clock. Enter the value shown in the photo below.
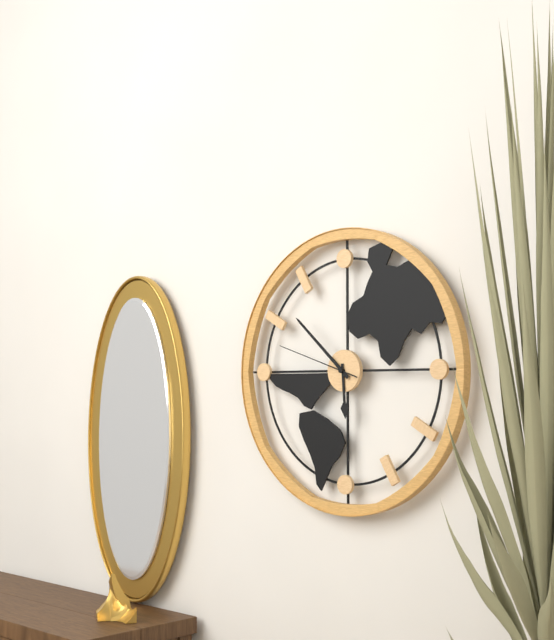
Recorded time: 5:52:48
